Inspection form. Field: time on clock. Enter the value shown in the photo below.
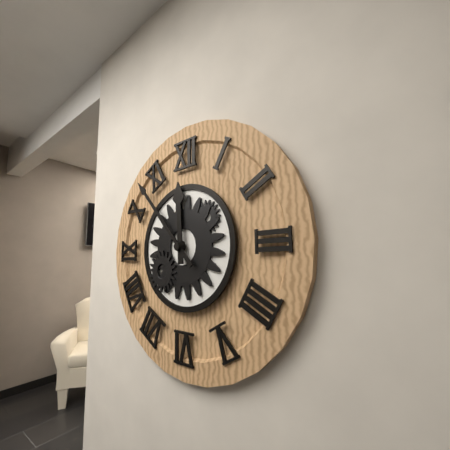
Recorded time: 11:53
